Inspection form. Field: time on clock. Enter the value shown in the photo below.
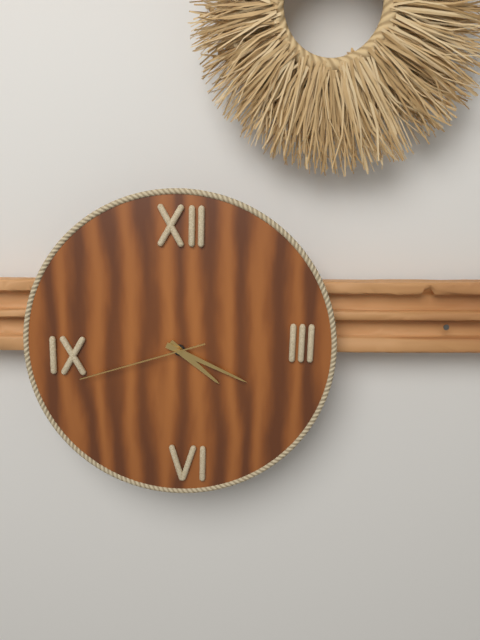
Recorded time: 4:19:42
